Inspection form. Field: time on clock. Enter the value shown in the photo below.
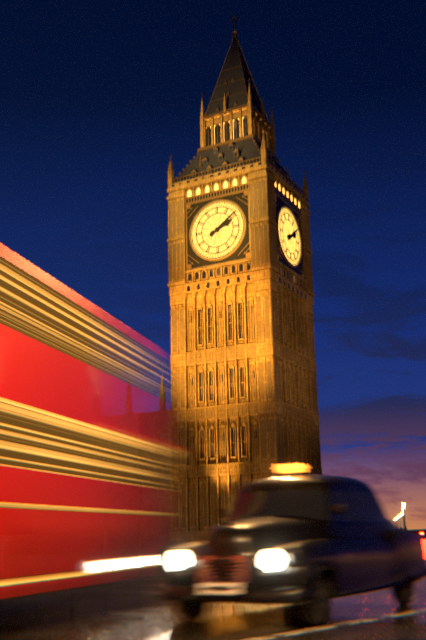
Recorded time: 2:09
